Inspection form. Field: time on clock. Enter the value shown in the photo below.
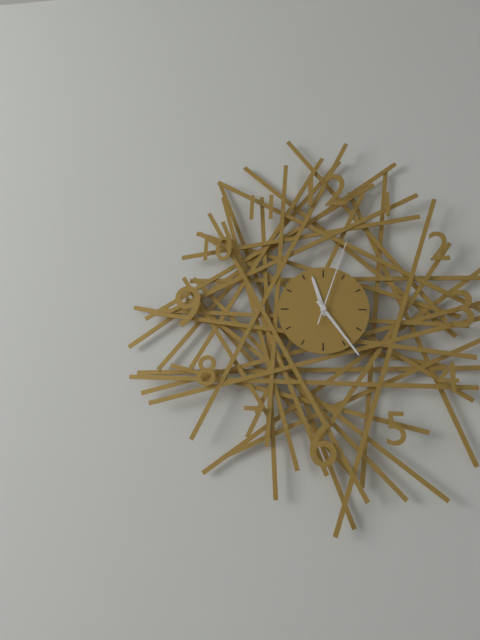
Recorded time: 11:24:03
